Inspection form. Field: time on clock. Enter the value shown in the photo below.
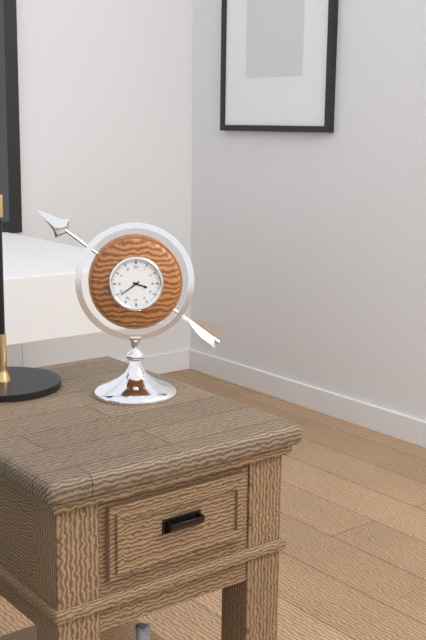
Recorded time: 3:39
